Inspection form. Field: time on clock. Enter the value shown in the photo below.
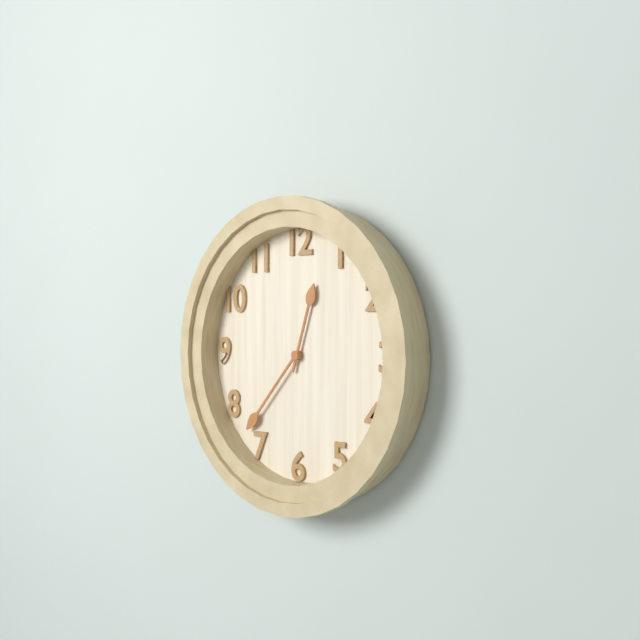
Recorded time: 12:37
